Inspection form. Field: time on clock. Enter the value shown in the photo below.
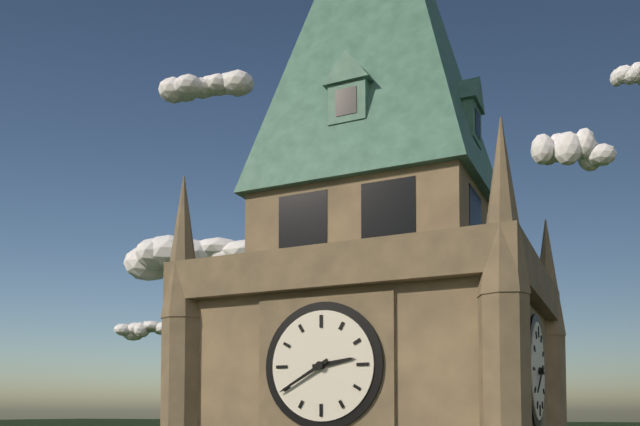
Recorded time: 2:40
